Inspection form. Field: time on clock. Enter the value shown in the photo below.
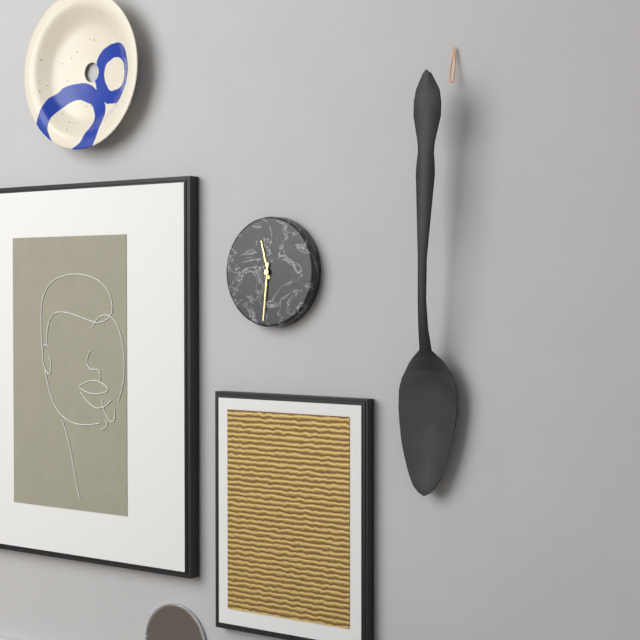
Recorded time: 11:31
